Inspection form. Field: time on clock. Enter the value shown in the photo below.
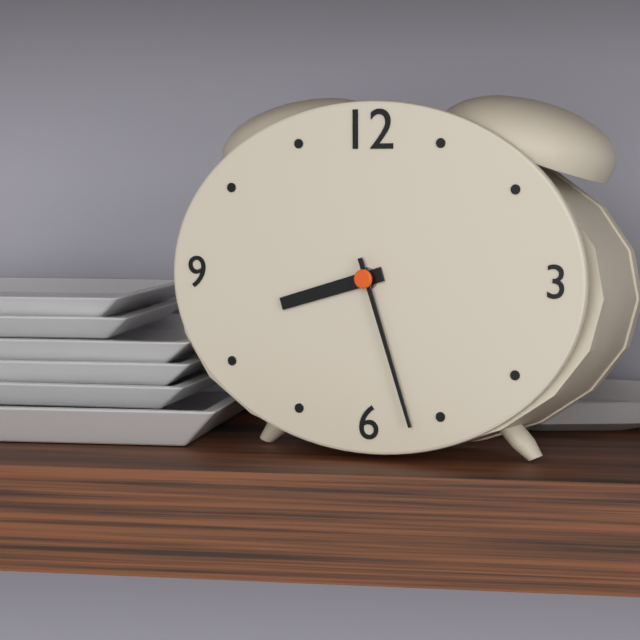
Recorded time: 8:27
